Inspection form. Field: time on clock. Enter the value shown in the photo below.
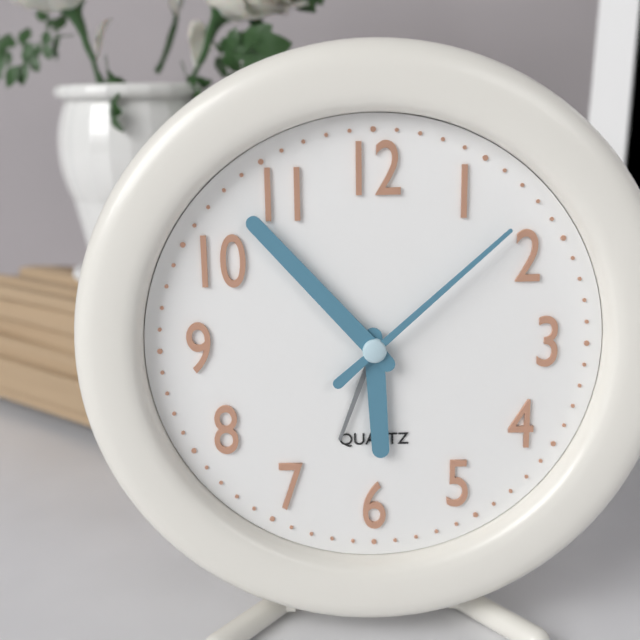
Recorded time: 5:53:08
